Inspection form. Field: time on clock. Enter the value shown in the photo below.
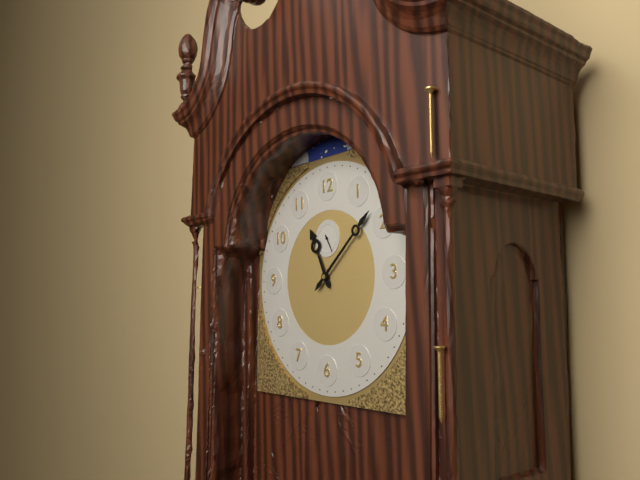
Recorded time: 11:08
